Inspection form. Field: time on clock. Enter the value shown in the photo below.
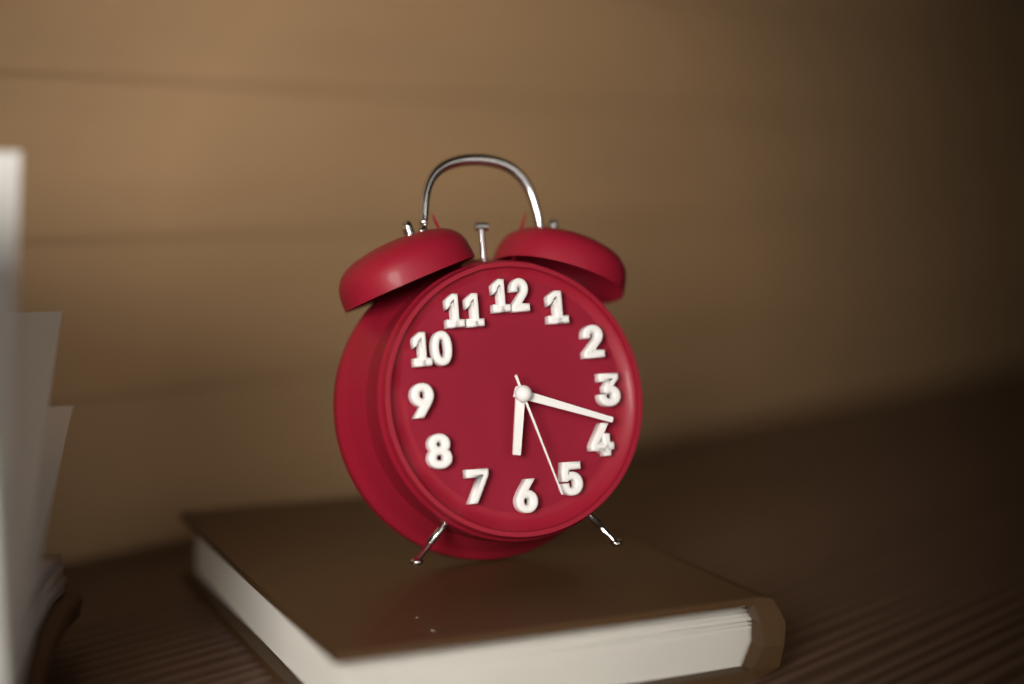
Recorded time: 6:18:27
